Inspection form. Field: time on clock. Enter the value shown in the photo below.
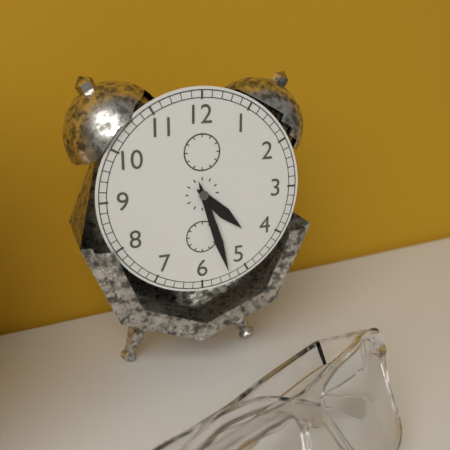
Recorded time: 4:27
